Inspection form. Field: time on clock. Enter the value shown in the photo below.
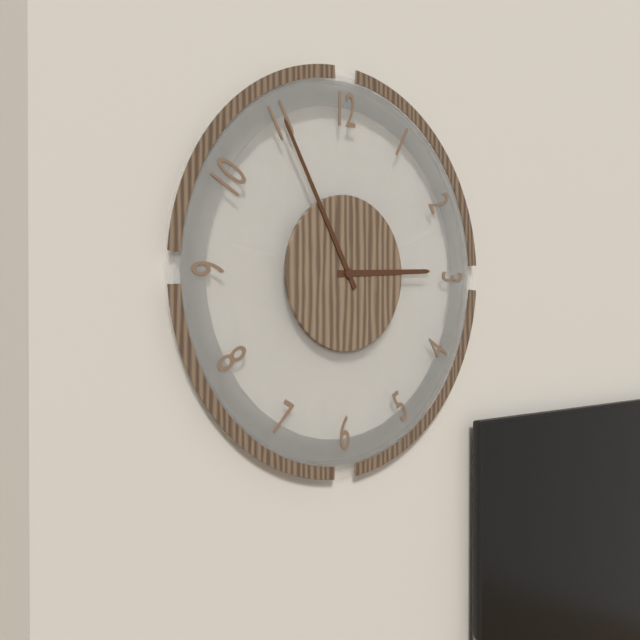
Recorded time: 2:55
